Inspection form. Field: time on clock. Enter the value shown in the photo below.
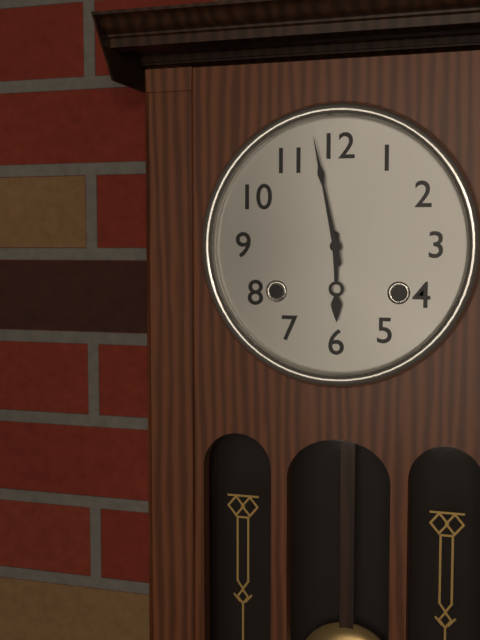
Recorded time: 5:58
